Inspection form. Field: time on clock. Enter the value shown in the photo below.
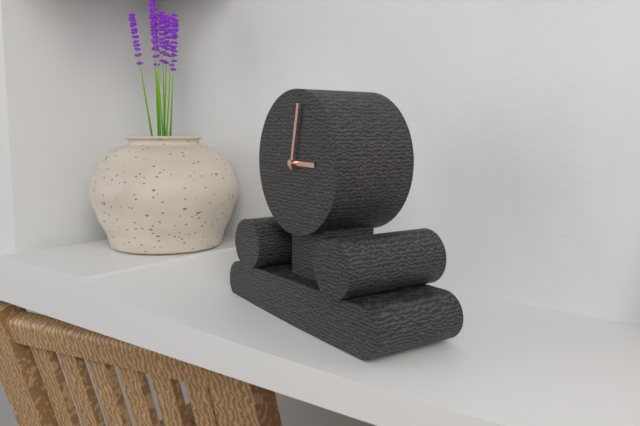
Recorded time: 3:02
